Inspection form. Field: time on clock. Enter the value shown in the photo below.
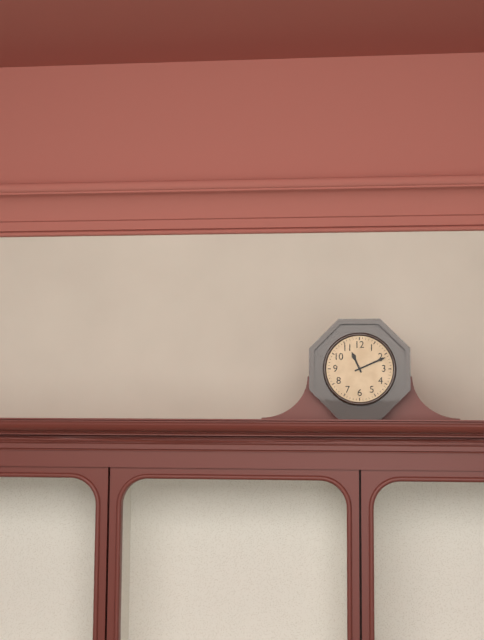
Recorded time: 11:11
